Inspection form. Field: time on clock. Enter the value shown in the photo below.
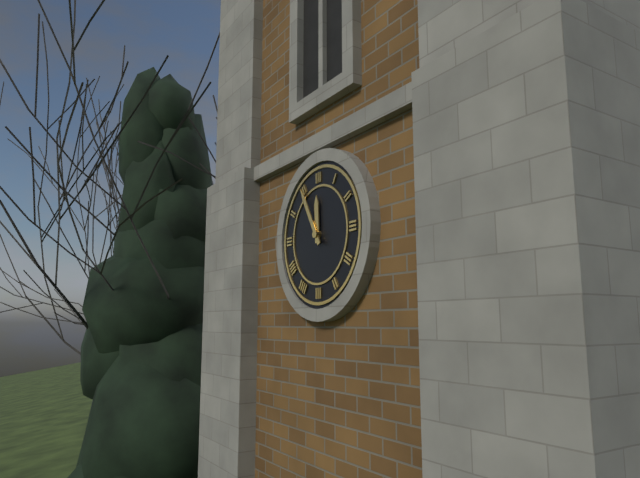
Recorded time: 11:55
